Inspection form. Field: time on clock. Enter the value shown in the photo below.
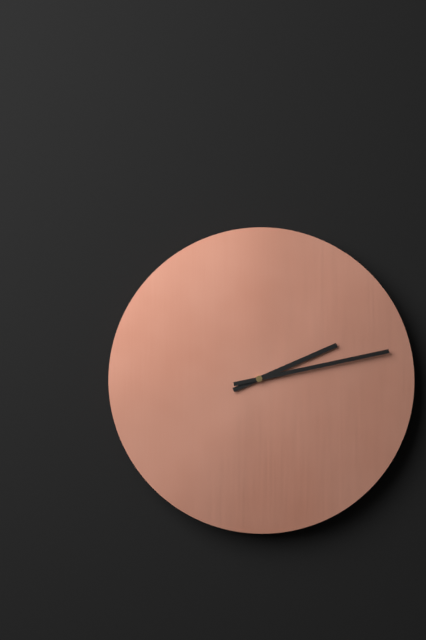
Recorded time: 2:13
